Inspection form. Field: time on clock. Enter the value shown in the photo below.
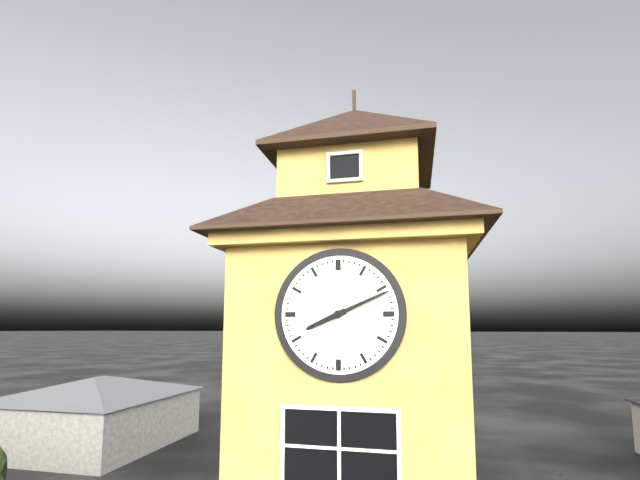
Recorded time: 8:11
